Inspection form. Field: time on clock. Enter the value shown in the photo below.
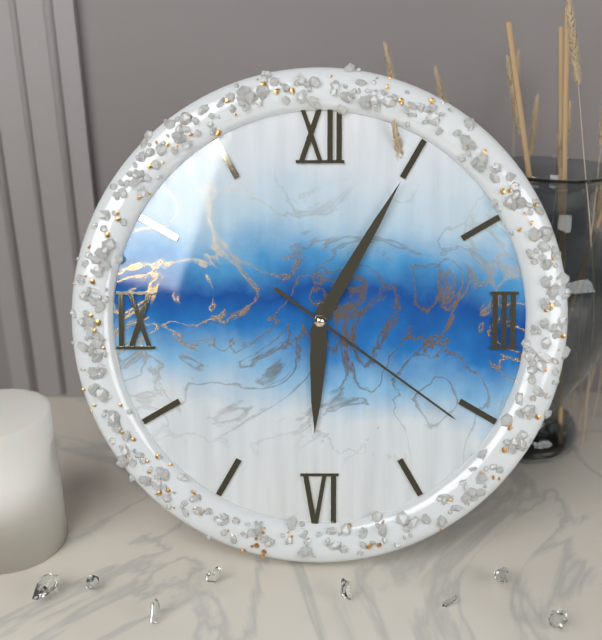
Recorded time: 6:05:21
